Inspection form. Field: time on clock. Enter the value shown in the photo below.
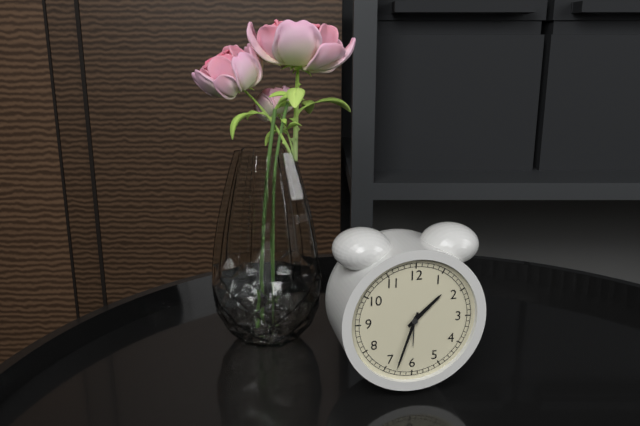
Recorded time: 1:33
